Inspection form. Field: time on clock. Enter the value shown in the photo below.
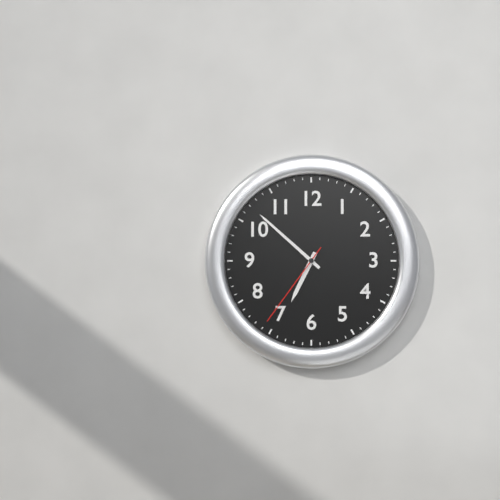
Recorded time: 6:52:36
